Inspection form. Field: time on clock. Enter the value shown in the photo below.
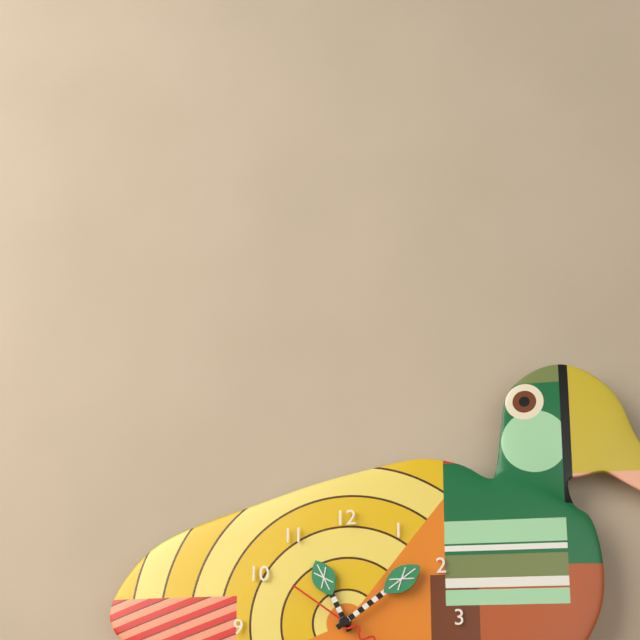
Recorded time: 11:09
